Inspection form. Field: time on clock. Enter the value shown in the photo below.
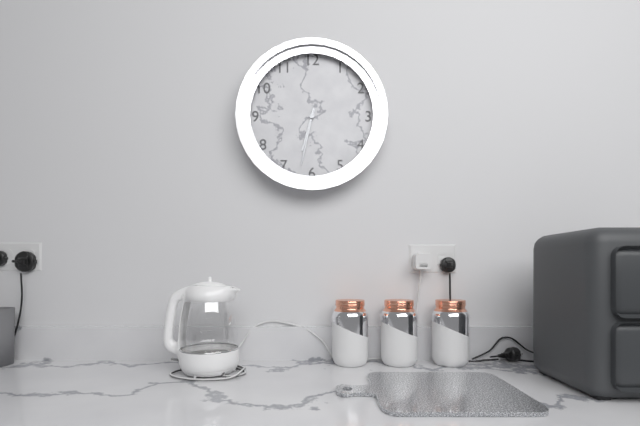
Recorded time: 6:32
